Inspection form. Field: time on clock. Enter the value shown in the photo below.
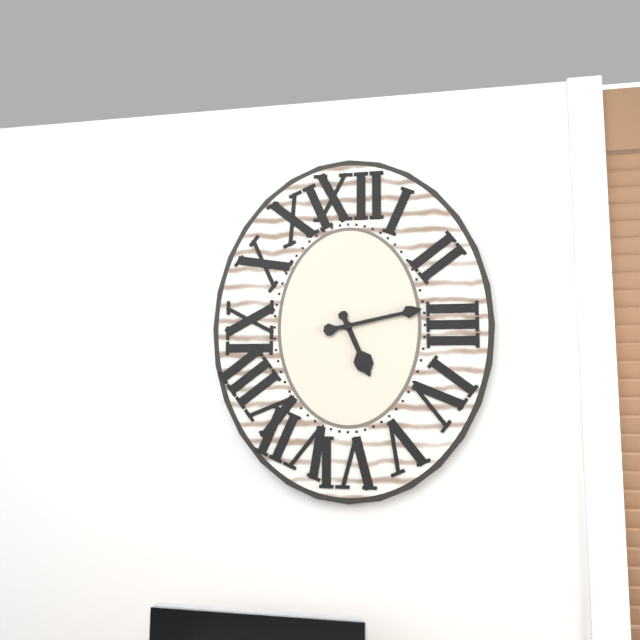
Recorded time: 5:13
